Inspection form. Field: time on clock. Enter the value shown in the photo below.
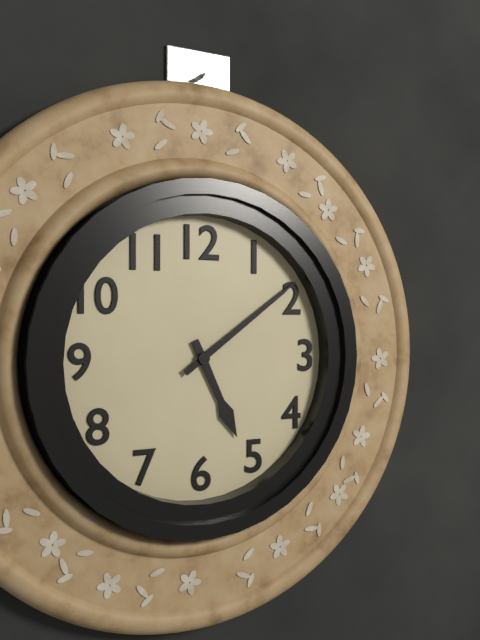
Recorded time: 5:09
